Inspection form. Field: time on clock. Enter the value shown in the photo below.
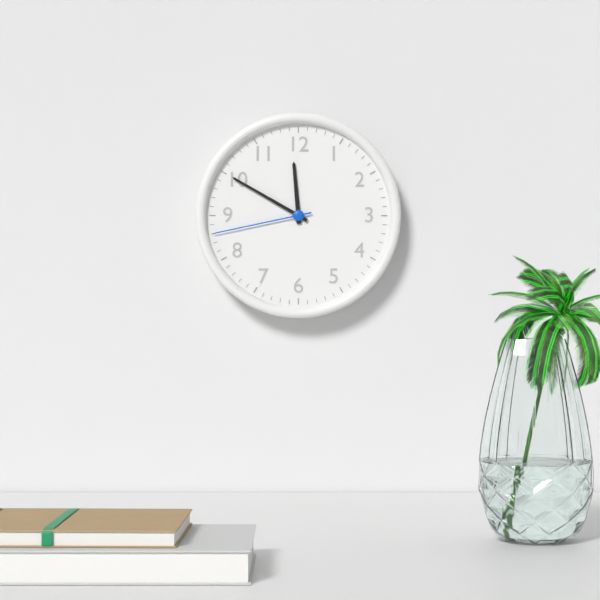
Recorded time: 11:50:43
